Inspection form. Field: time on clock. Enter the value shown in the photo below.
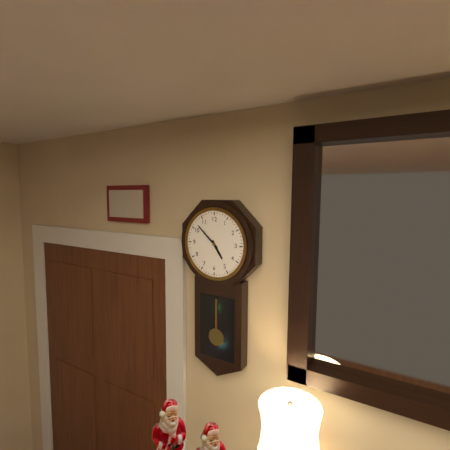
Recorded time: 4:52
